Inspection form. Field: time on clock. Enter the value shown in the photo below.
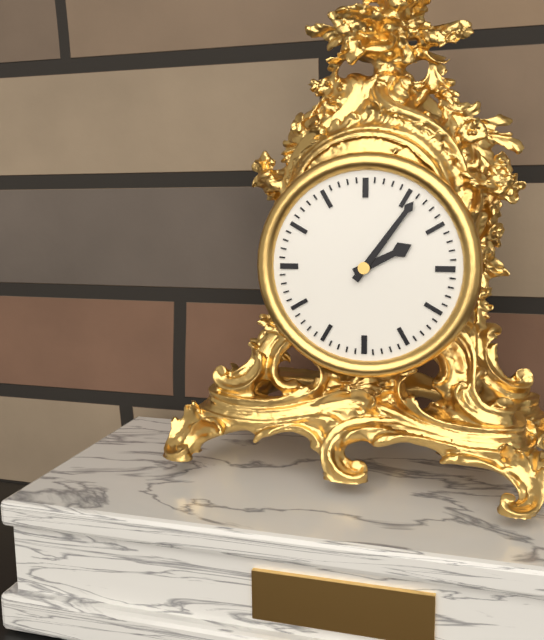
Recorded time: 2:06
